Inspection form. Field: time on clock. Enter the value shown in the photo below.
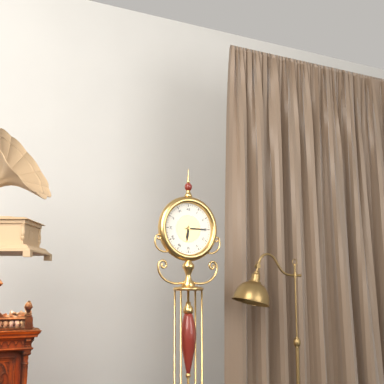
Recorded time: 6:15
